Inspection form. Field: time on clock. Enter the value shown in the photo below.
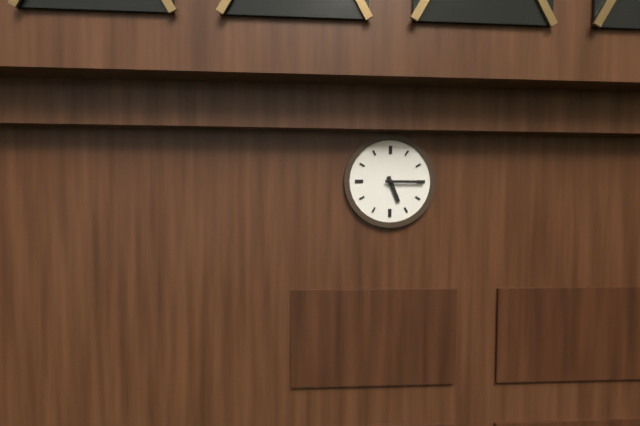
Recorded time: 5:15
